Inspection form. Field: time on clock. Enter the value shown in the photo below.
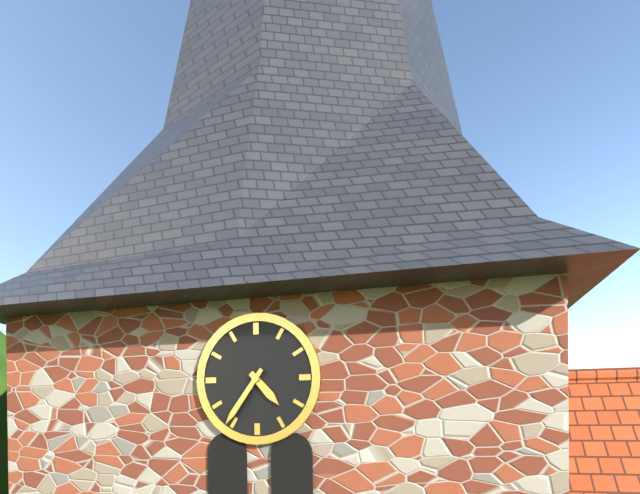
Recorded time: 4:36
